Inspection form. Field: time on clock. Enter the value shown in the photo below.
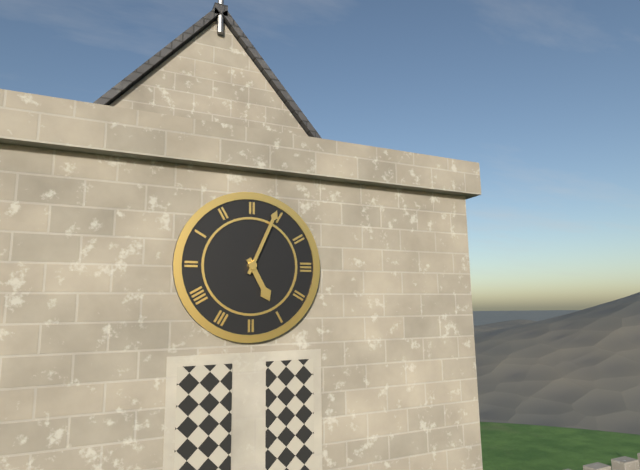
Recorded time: 5:04
